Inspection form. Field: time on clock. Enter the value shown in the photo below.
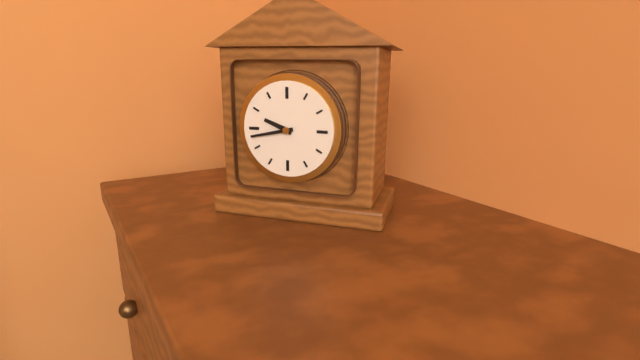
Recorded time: 9:43
